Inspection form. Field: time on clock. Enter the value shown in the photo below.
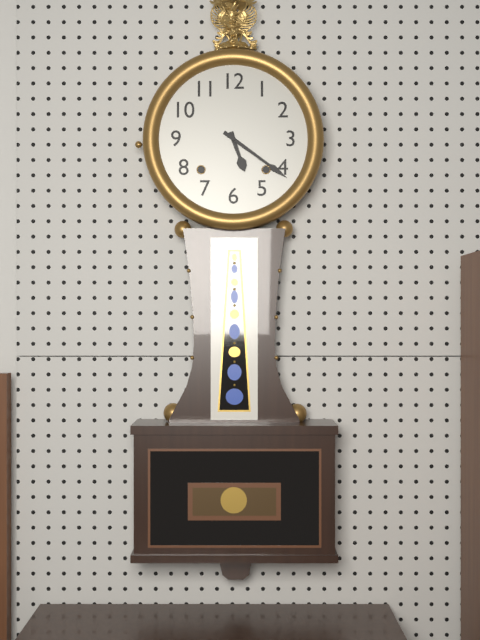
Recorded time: 5:21
